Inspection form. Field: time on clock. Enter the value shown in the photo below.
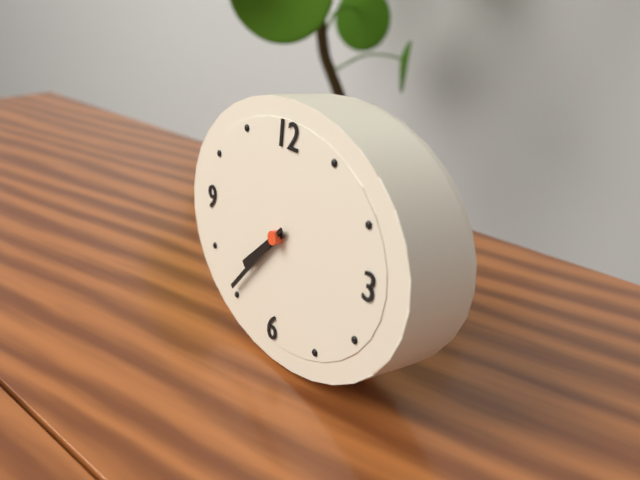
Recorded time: 7:37
